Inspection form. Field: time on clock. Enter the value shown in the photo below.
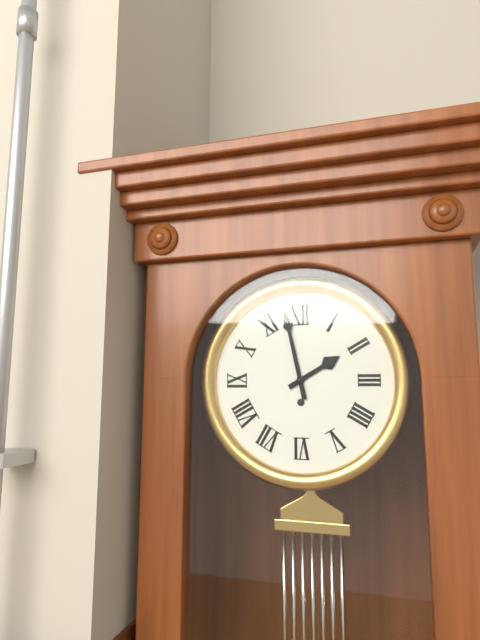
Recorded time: 1:58
